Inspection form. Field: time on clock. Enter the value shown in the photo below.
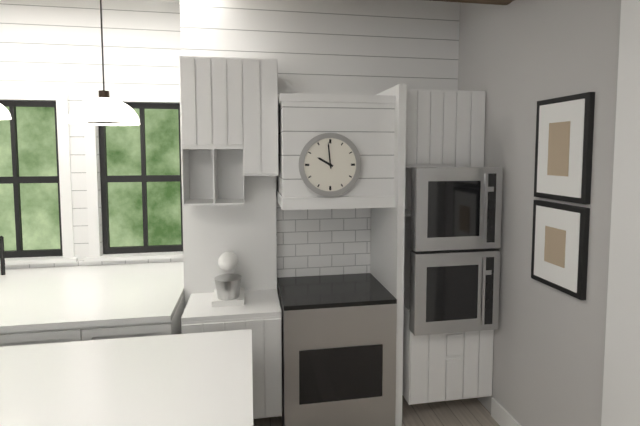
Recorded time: 9:59
